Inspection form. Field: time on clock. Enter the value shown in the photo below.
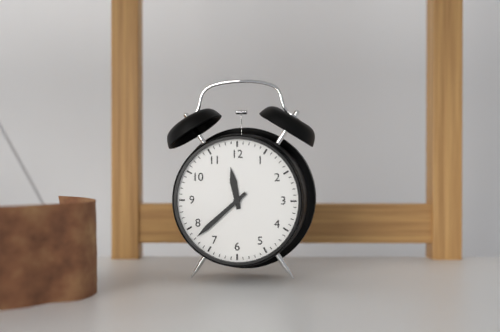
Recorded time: 11:38
